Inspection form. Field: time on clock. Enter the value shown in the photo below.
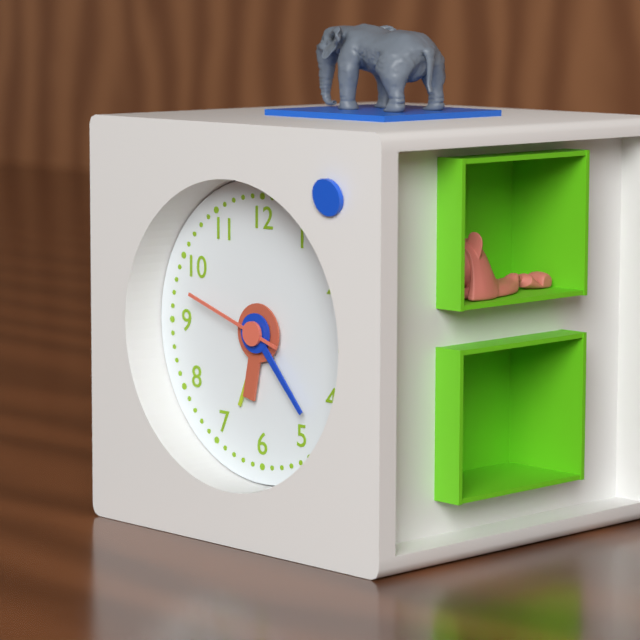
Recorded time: 6:23:48
